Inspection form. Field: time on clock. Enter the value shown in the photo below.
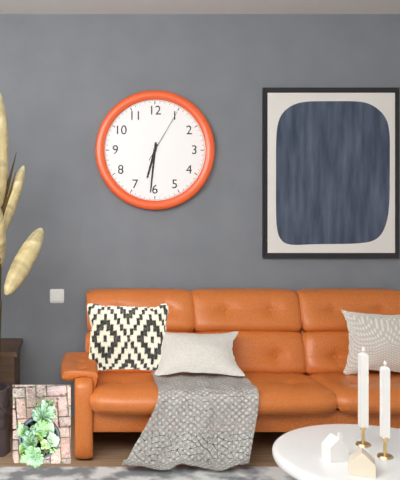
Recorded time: 6:31:05
